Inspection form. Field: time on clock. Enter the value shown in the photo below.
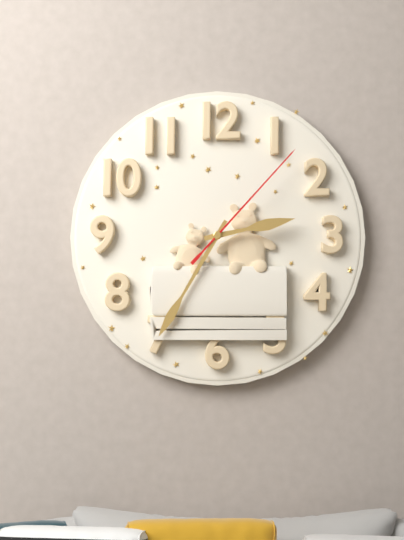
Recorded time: 2:35:07
